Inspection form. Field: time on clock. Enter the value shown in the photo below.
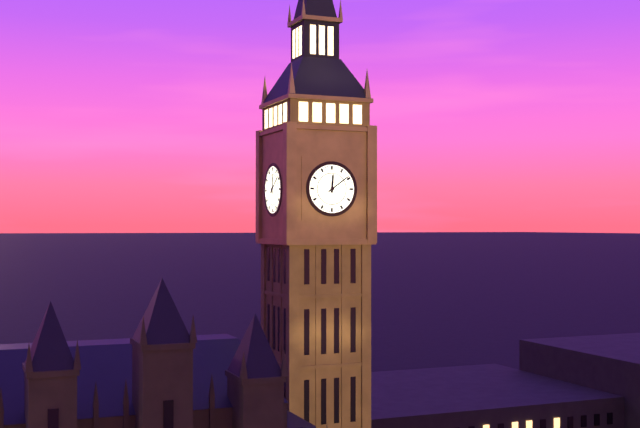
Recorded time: 12:09
